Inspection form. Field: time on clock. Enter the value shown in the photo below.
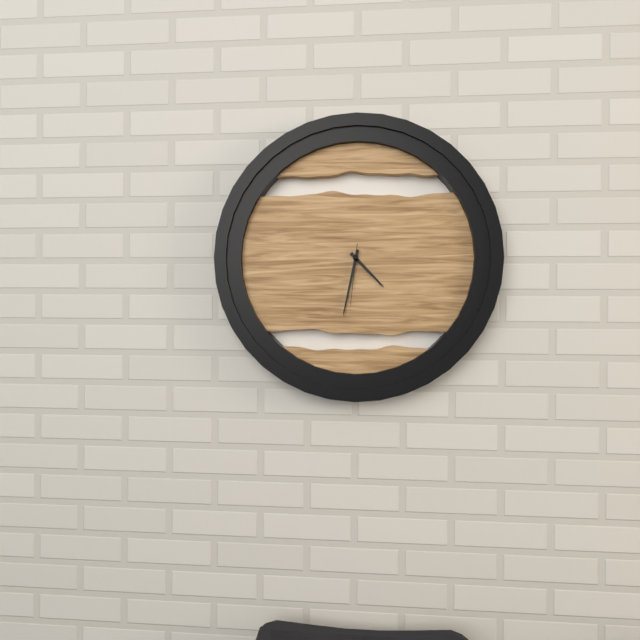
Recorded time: 4:32:31
